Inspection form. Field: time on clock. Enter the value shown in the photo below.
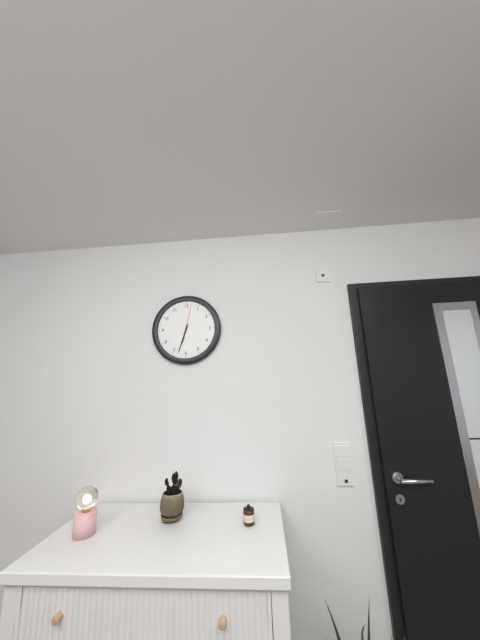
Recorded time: 6:33
